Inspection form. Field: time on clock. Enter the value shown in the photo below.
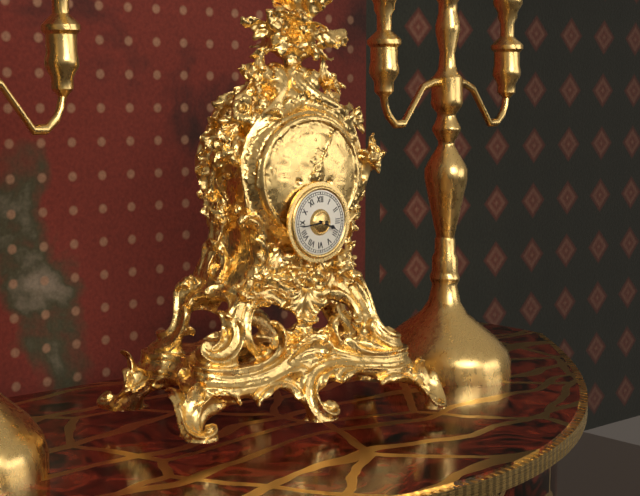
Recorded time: 3:44
